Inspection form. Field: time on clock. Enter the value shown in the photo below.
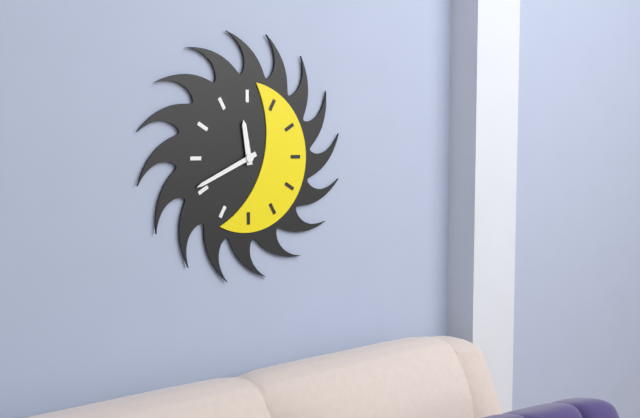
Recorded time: 11:41
